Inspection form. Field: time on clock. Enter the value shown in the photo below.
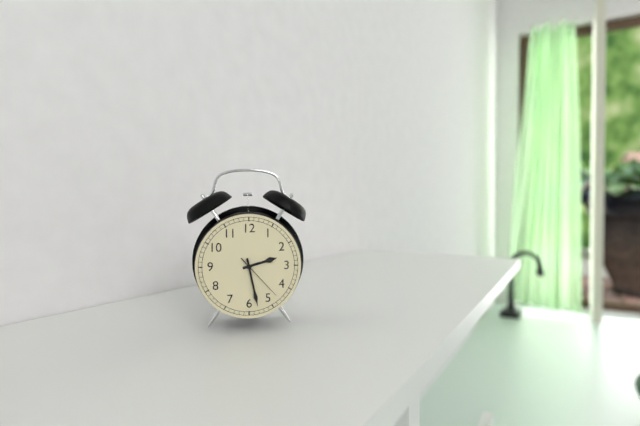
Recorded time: 2:28:23
